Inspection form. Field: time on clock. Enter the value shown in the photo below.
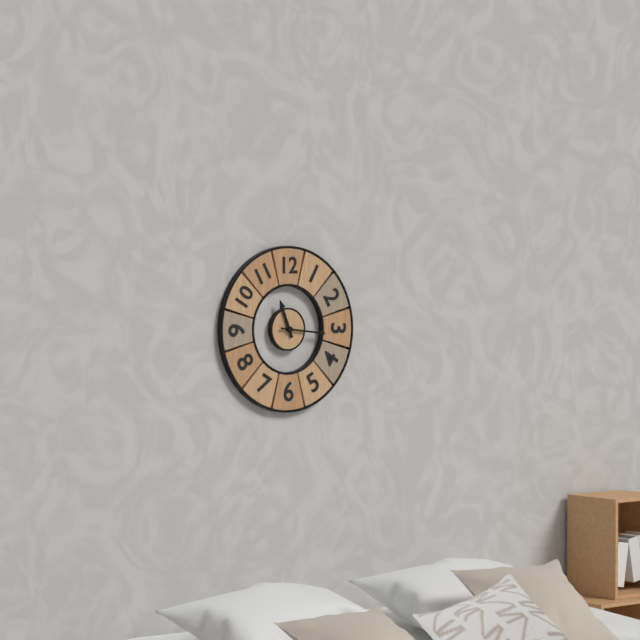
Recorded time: 11:16
